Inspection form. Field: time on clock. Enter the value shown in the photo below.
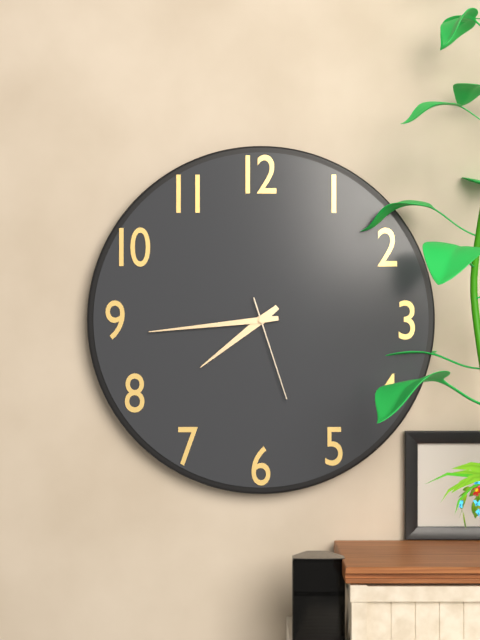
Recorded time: 7:44:27
